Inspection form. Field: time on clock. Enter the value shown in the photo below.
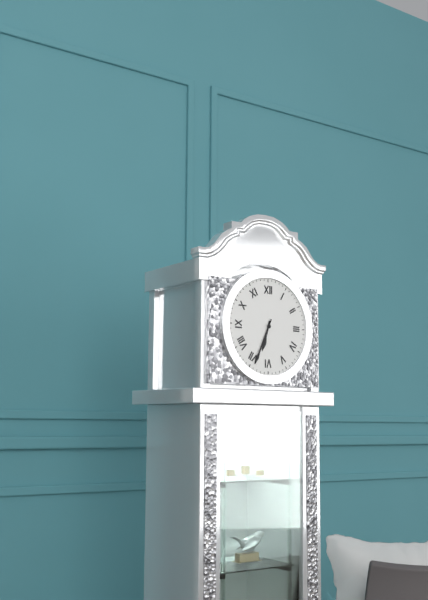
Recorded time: 6:34
